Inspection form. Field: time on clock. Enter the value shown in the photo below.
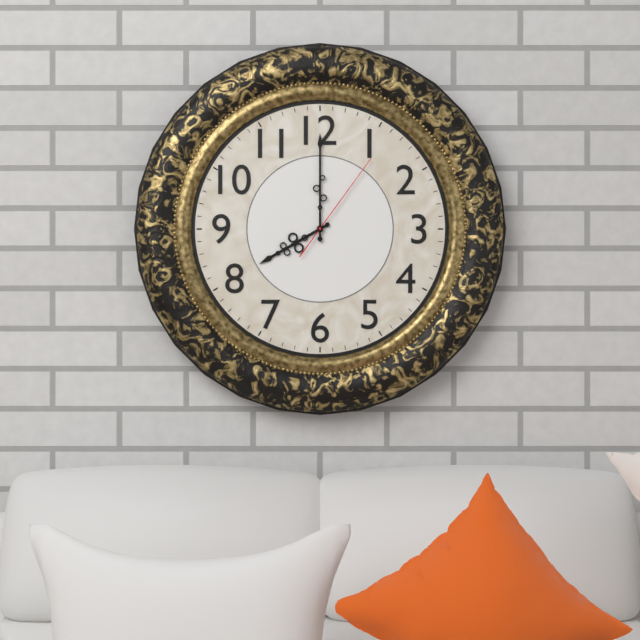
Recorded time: 8:00:06
